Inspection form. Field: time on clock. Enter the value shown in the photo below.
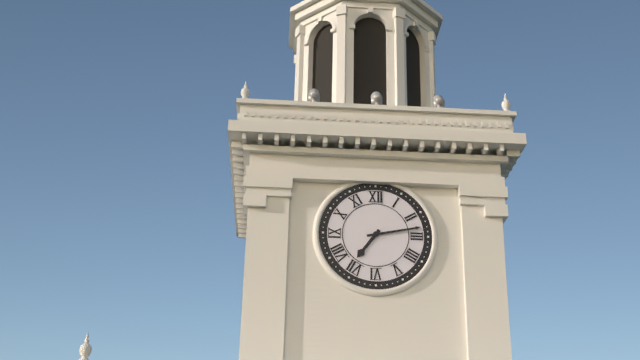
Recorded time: 7:13
